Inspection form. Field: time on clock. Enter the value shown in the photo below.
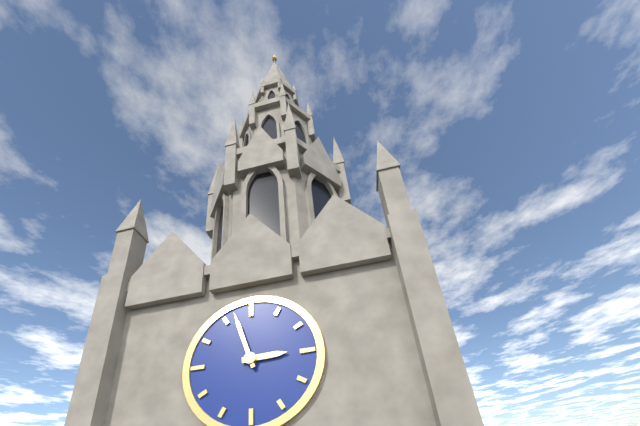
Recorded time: 2:57
